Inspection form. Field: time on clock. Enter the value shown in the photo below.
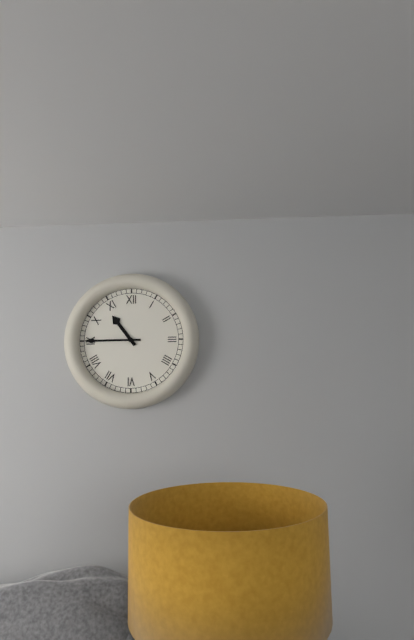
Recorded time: 10:45
